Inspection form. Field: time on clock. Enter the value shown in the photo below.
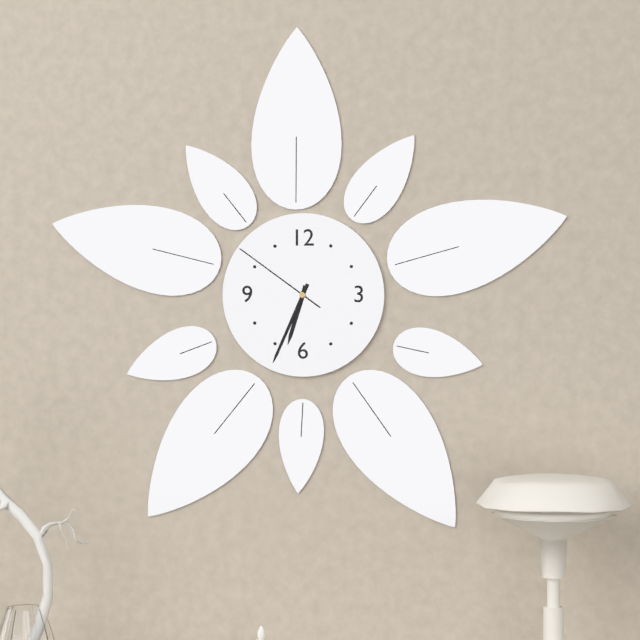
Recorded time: 6:34:51
